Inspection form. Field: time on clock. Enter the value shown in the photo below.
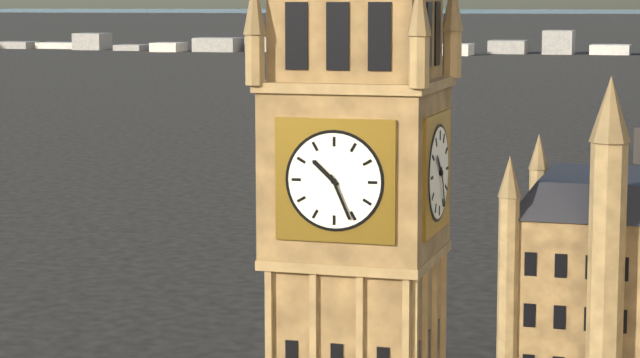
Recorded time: 10:26
